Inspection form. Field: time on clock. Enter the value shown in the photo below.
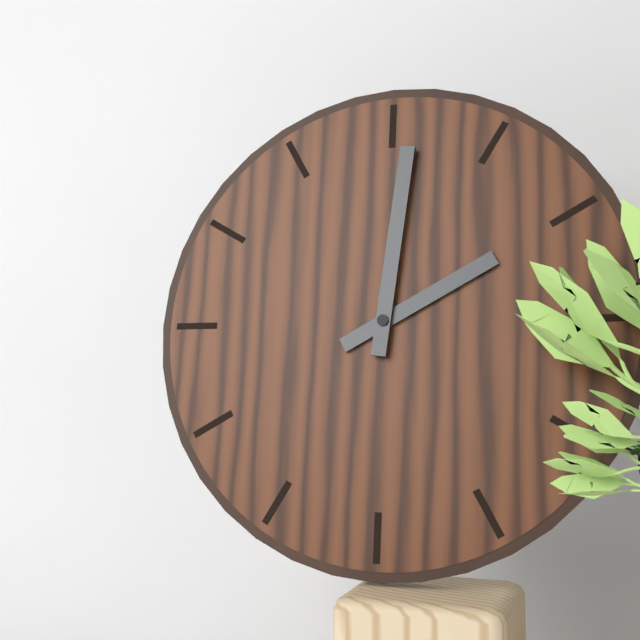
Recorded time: 2:01
